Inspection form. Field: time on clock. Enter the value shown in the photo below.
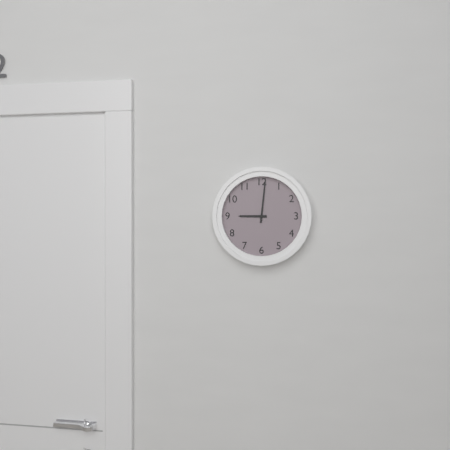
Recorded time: 9:01
